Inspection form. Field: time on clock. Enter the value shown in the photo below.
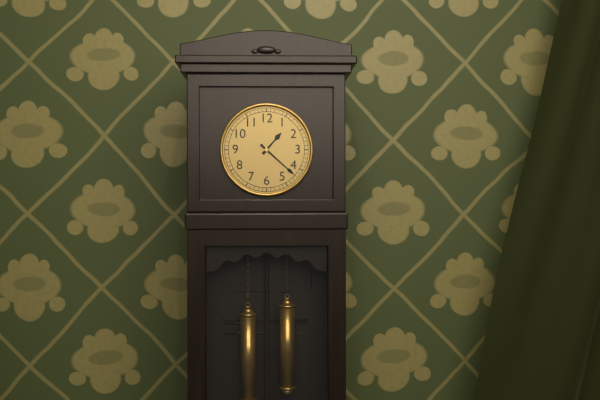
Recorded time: 1:22
